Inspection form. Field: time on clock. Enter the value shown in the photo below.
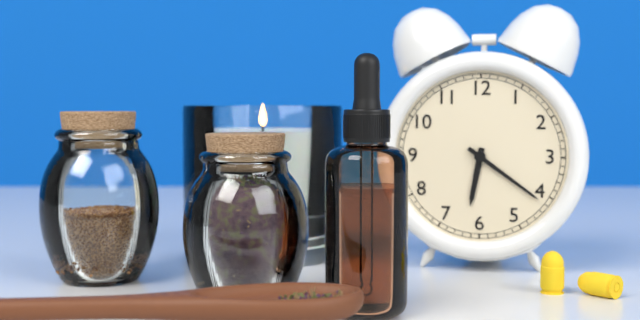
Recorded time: 6:21
